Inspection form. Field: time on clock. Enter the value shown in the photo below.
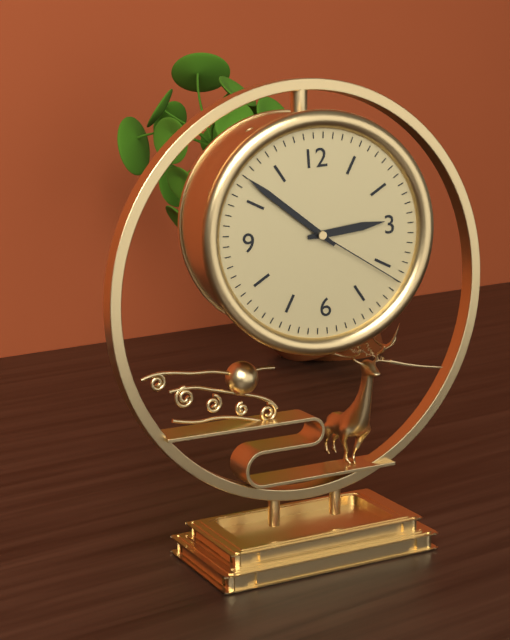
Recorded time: 2:52:21
